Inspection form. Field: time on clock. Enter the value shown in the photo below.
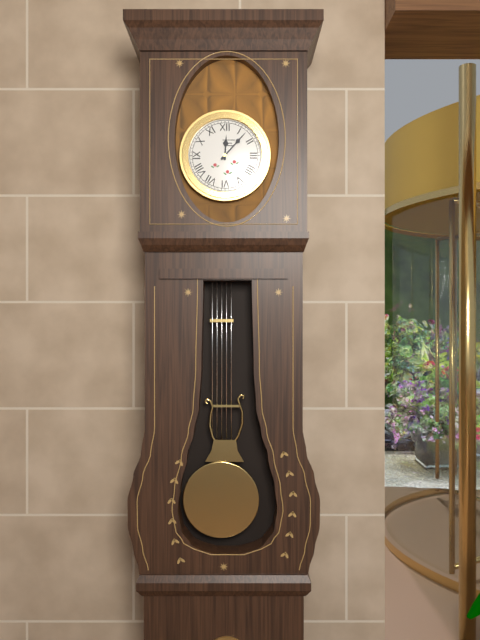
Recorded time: 12:07
